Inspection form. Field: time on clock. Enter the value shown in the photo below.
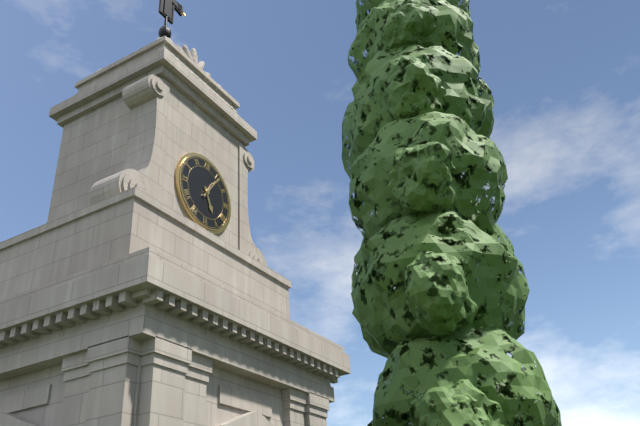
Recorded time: 5:06
